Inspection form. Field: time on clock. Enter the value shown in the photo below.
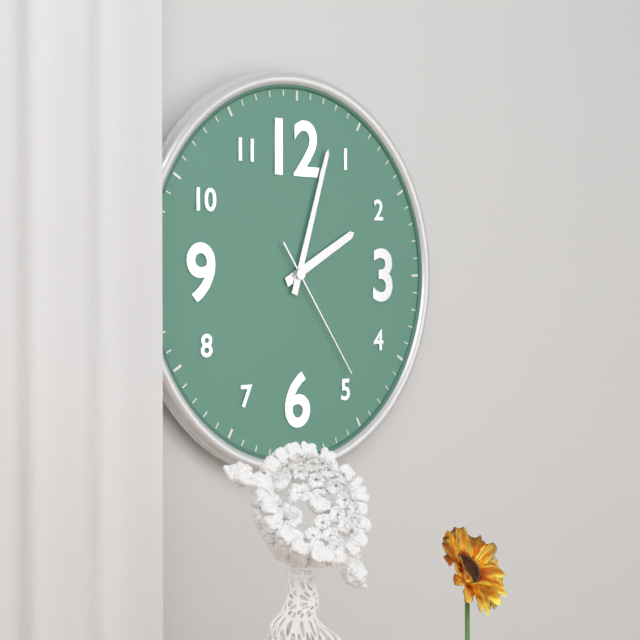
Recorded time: 2:03:24
